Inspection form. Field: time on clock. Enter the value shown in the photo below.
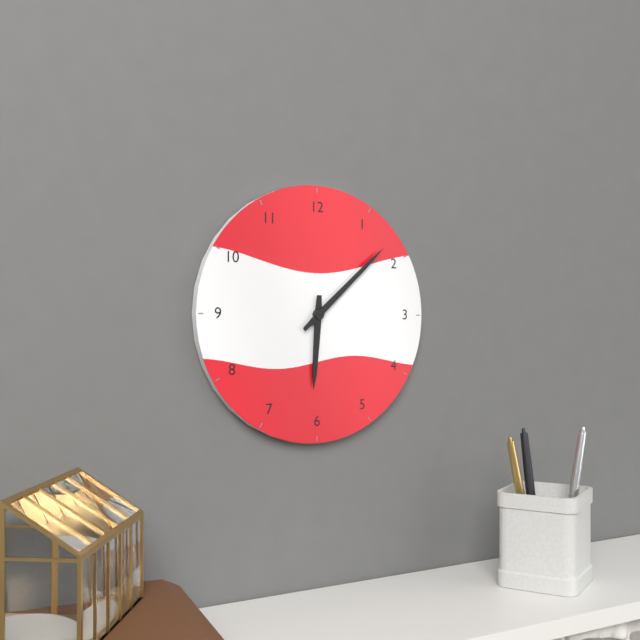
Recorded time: 6:08
